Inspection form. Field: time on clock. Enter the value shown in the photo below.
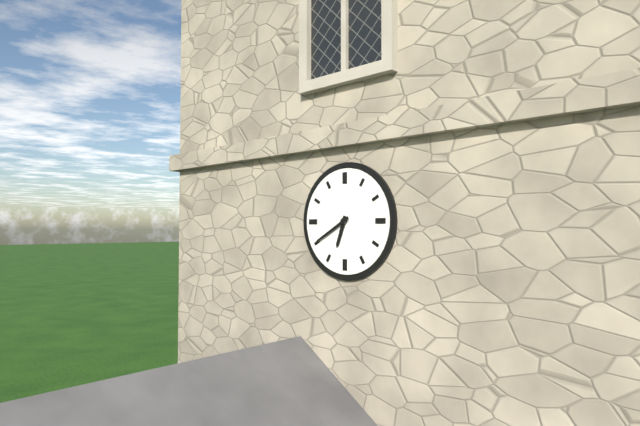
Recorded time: 6:40
